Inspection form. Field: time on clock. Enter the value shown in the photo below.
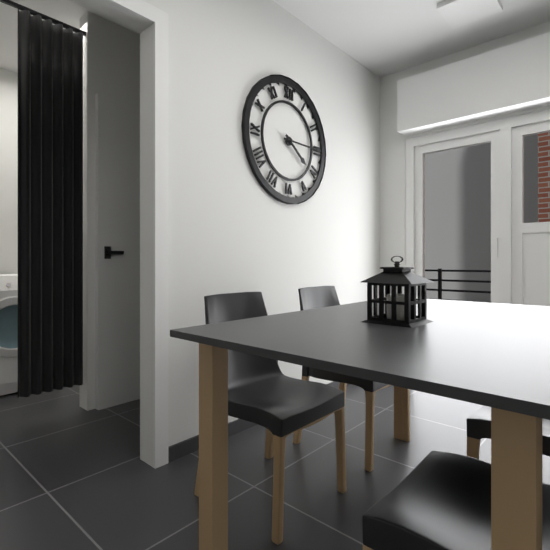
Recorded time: 4:15
